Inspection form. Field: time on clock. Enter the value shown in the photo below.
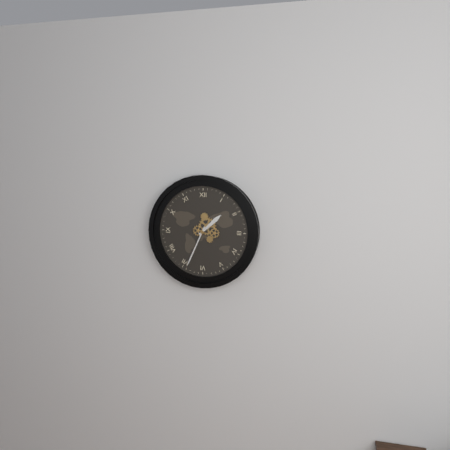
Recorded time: 1:34
